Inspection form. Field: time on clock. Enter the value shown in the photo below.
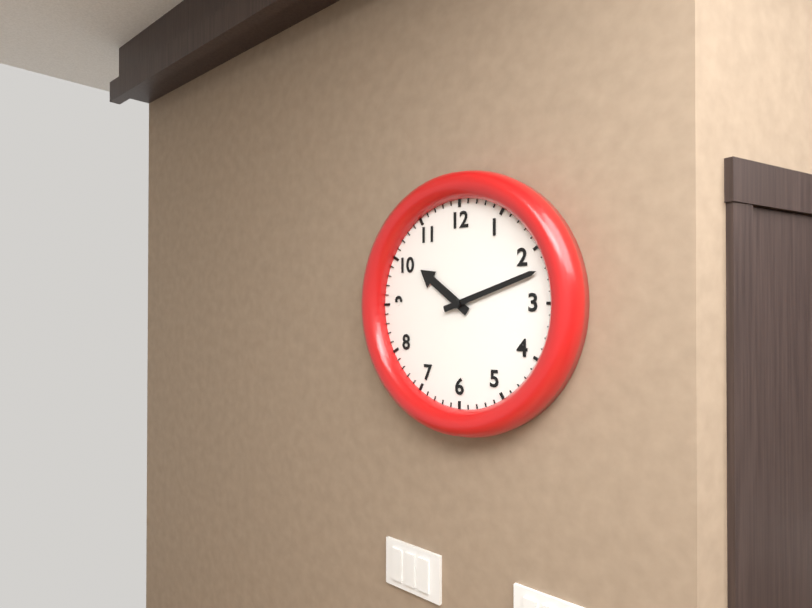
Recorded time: 10:12
